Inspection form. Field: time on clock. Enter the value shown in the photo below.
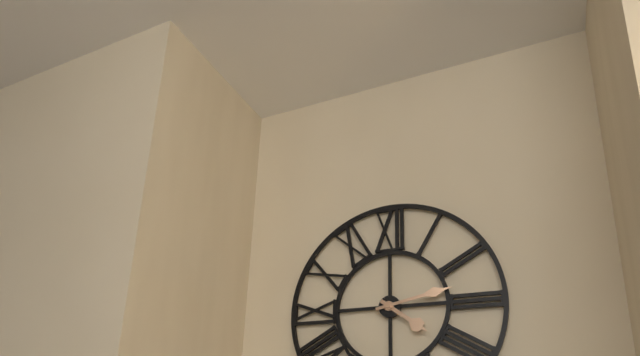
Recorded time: 4:13
